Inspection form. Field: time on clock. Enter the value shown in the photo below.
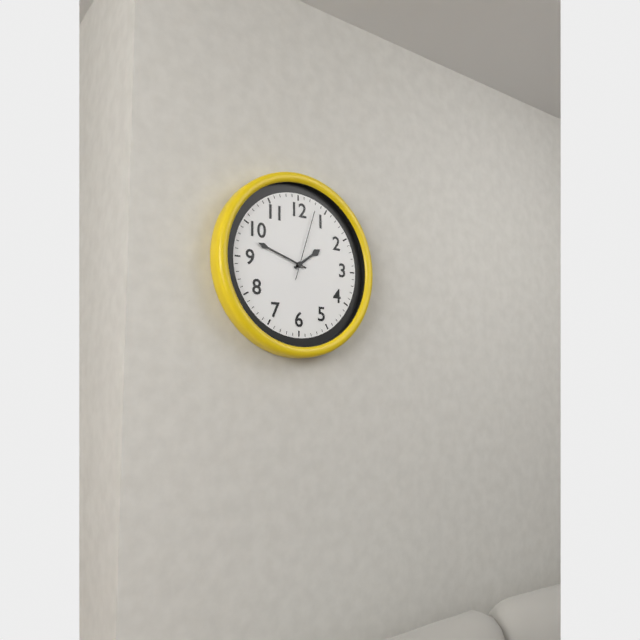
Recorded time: 1:48:03
